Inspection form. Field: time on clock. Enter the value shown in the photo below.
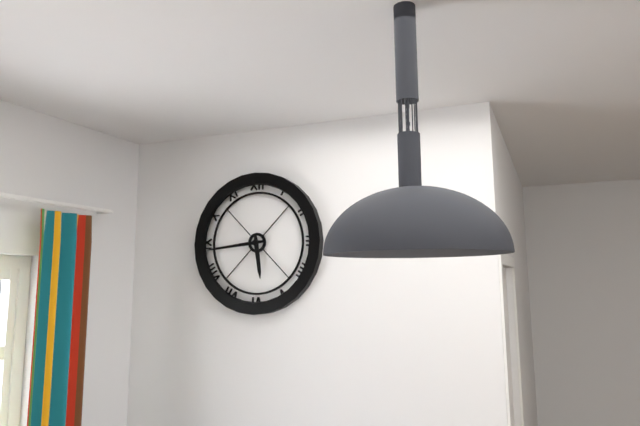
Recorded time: 5:44
